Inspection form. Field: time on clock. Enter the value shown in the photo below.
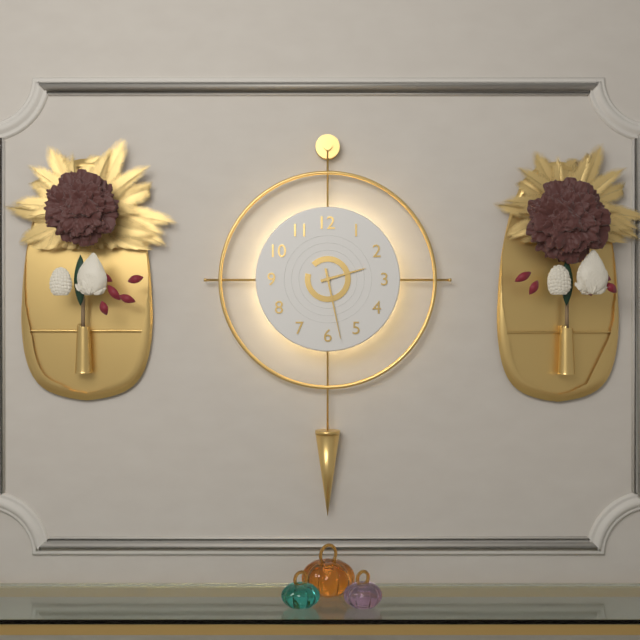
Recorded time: 2:28
